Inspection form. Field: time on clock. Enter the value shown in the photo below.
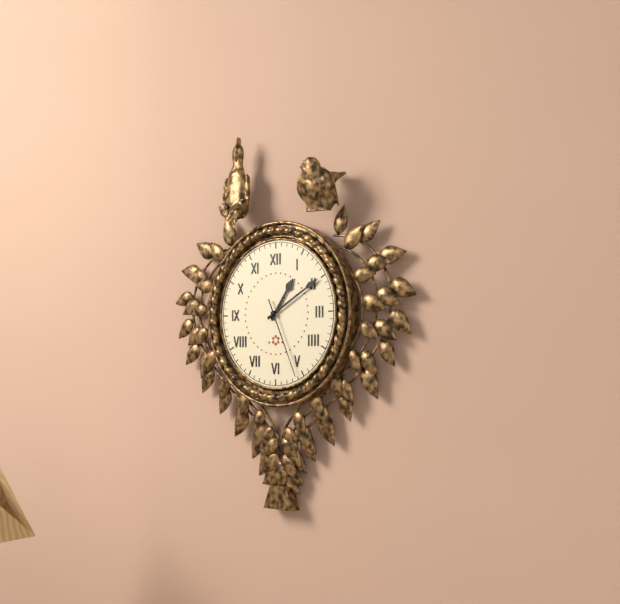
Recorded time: 1:10:26
